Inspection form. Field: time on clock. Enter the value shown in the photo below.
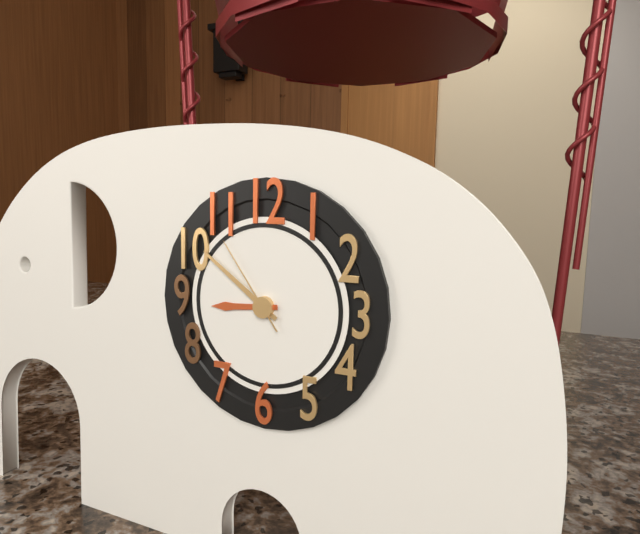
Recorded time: 8:51:54
